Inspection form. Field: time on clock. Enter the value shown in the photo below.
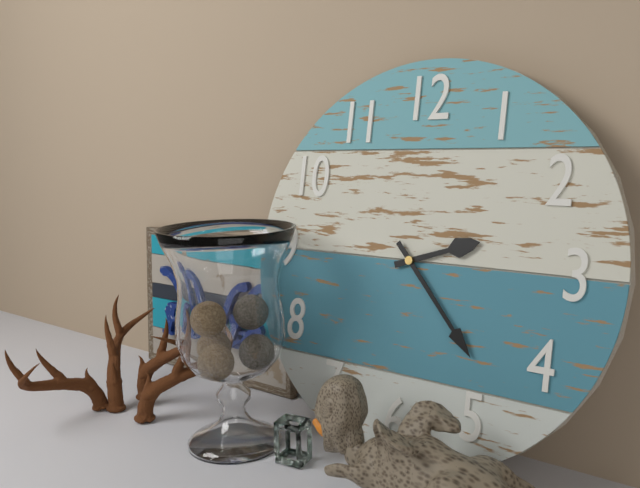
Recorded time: 2:23
